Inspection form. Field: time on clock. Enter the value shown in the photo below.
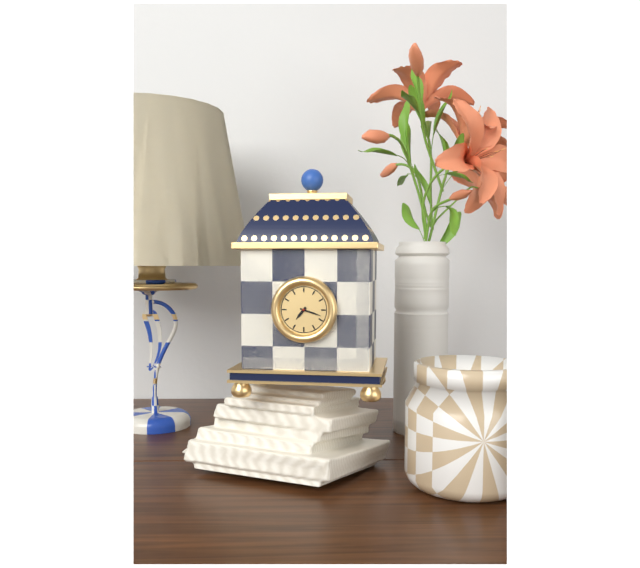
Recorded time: 7:18
